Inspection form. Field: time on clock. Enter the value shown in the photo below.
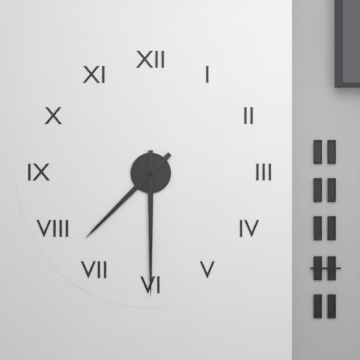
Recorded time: 7:30
